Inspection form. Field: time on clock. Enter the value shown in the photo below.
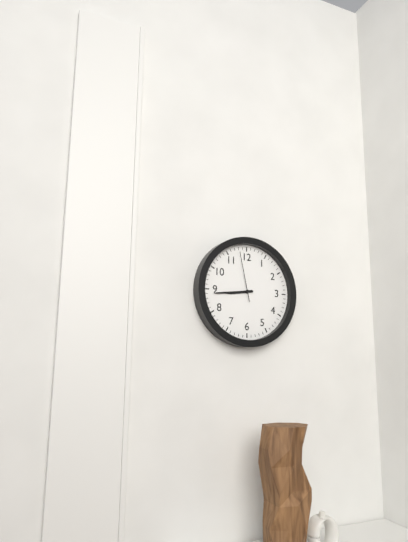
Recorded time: 8:44:58
